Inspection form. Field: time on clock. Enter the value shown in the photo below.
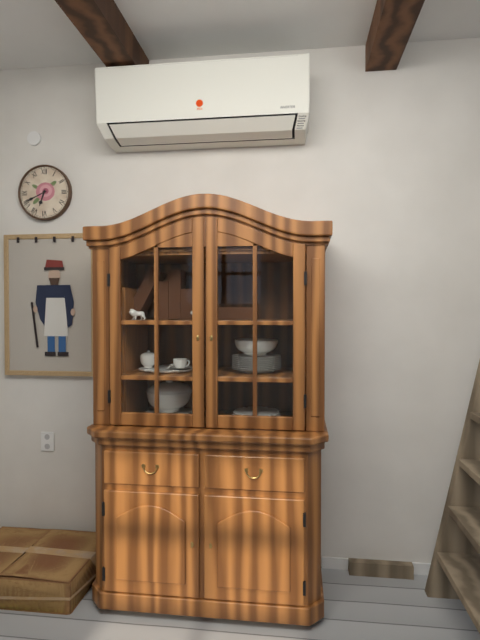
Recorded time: 6:41
